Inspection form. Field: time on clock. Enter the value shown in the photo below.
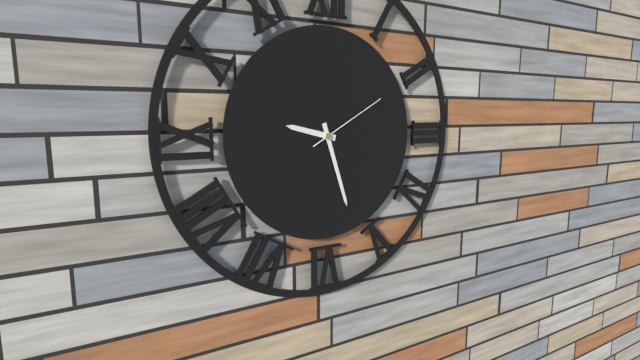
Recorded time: 9:27:10
